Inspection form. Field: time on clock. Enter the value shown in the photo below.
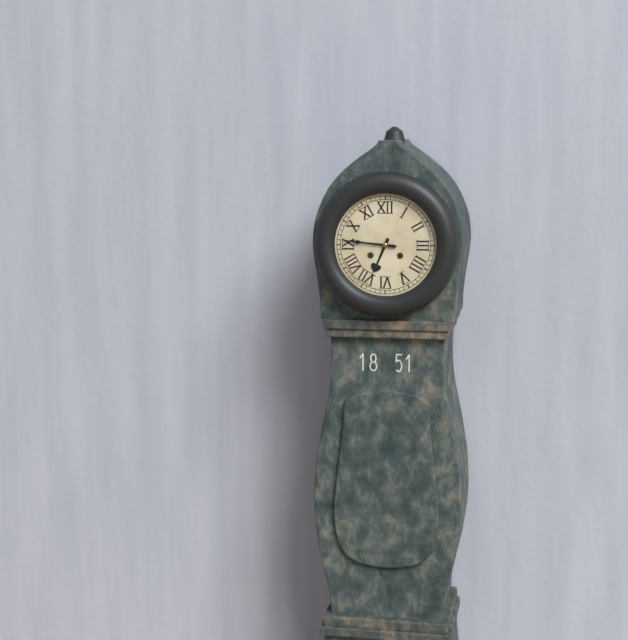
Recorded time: 6:46
